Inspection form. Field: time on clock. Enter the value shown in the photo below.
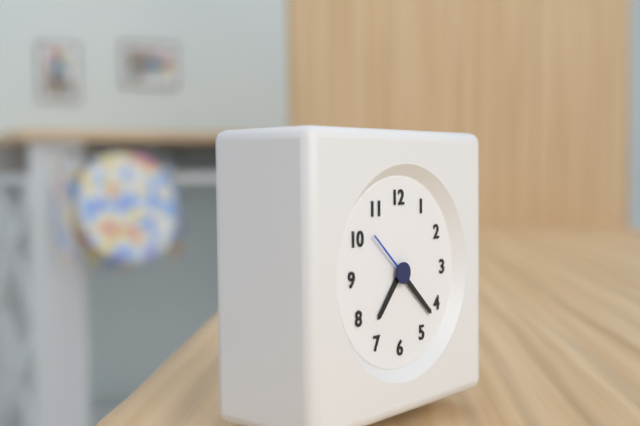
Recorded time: 7:22:52
